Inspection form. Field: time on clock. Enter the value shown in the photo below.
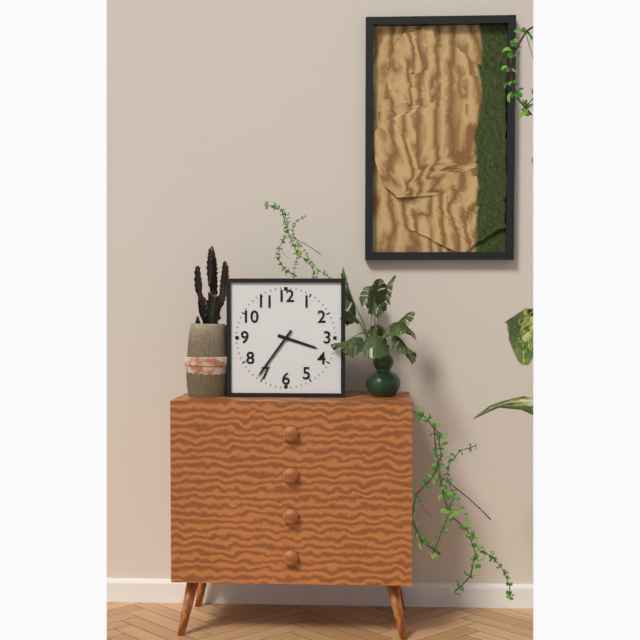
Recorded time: 3:36
